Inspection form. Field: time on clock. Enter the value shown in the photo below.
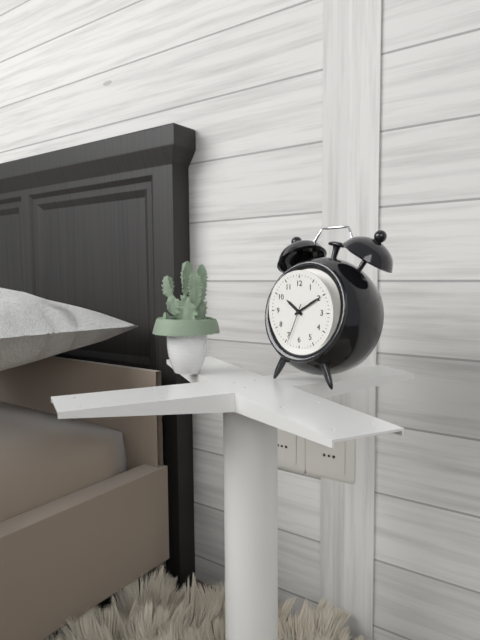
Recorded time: 10:10
